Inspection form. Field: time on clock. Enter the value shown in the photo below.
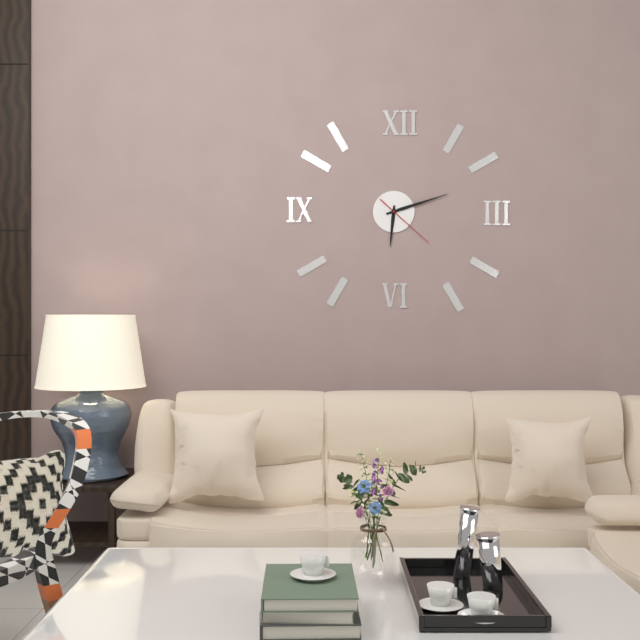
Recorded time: 6:12:22
